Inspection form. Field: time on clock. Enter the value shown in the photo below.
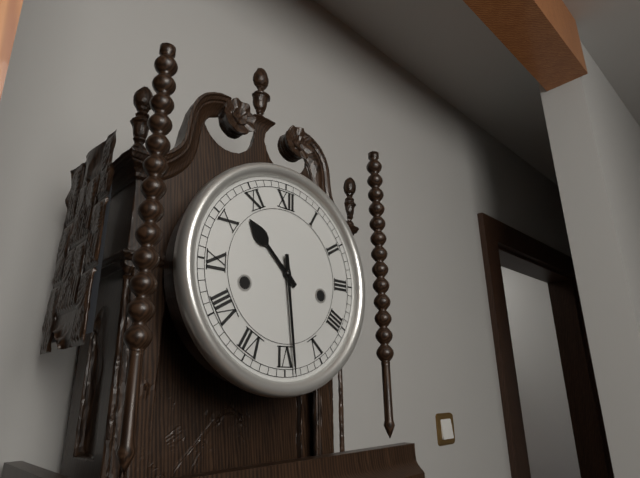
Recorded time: 10:29
